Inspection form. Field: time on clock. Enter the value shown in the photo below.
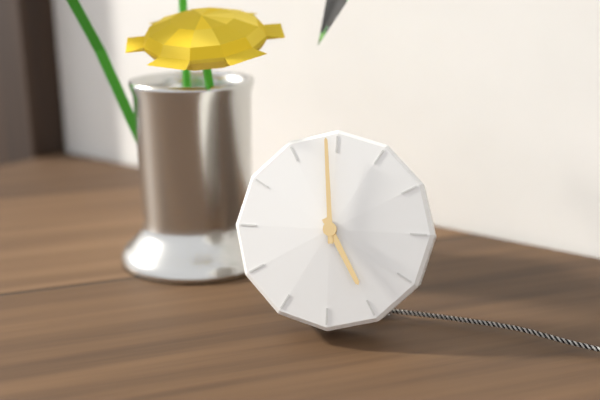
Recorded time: 4:59
